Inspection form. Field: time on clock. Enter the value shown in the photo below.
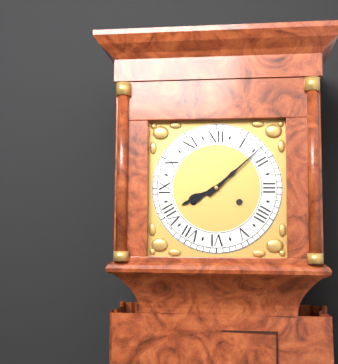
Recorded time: 8:08
